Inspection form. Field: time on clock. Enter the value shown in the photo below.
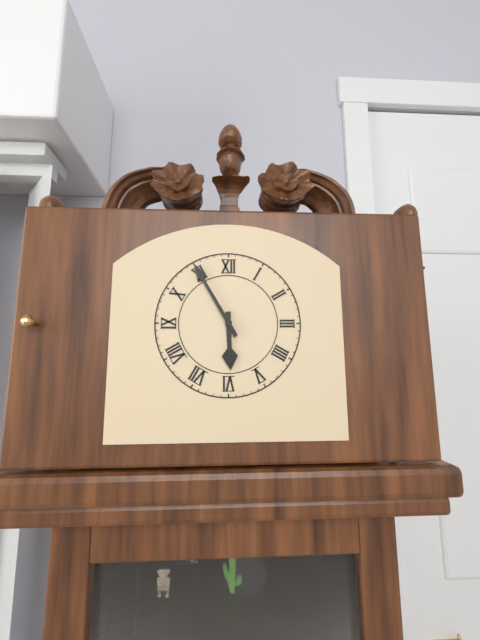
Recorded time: 5:55
